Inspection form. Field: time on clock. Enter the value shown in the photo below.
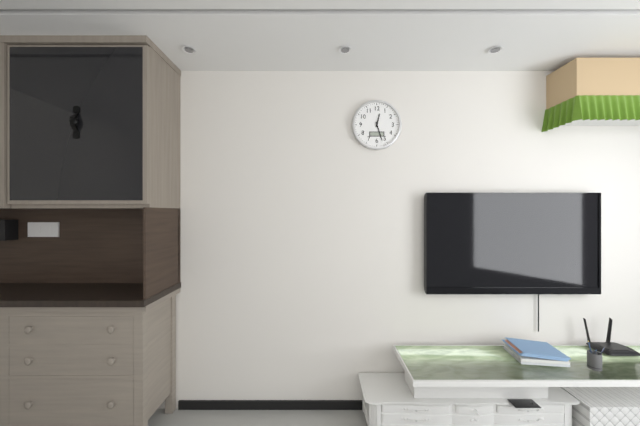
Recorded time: 12:27
